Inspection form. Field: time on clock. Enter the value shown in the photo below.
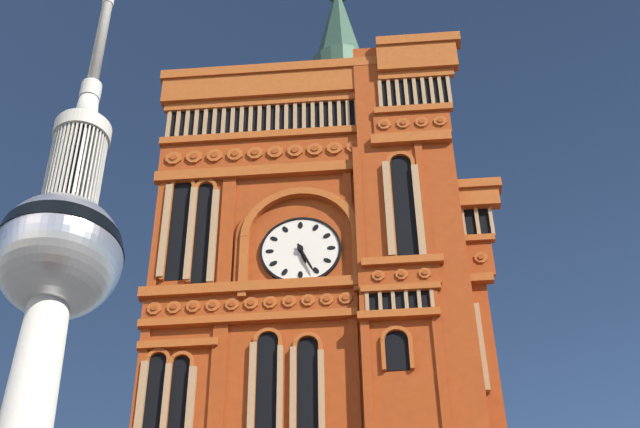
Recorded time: 5:26
